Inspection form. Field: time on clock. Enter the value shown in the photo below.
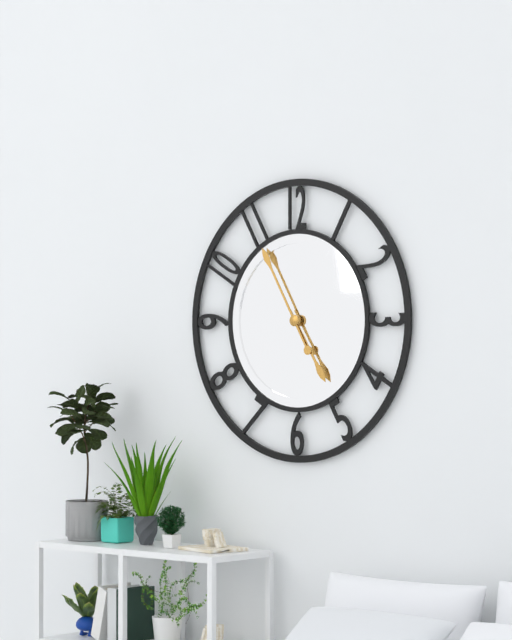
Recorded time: 4:55
